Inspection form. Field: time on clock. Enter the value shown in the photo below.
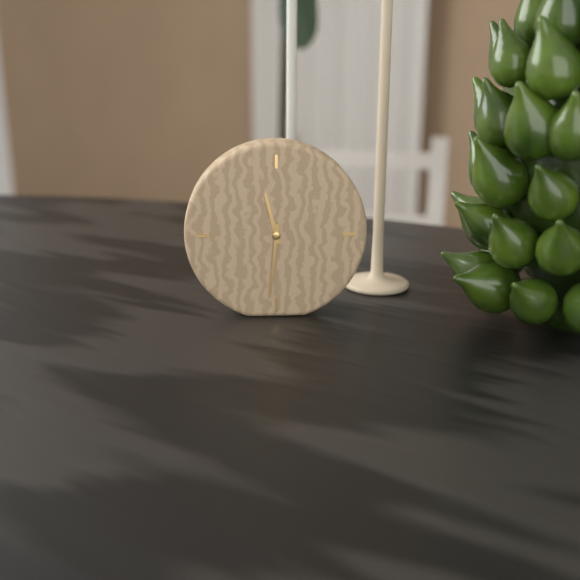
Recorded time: 11:31
